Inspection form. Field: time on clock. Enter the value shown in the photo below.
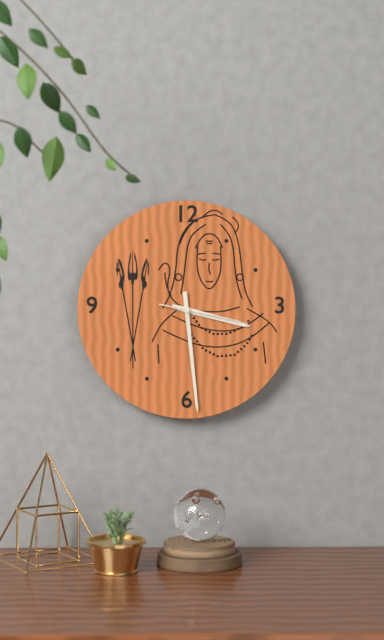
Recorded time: 3:29:17
